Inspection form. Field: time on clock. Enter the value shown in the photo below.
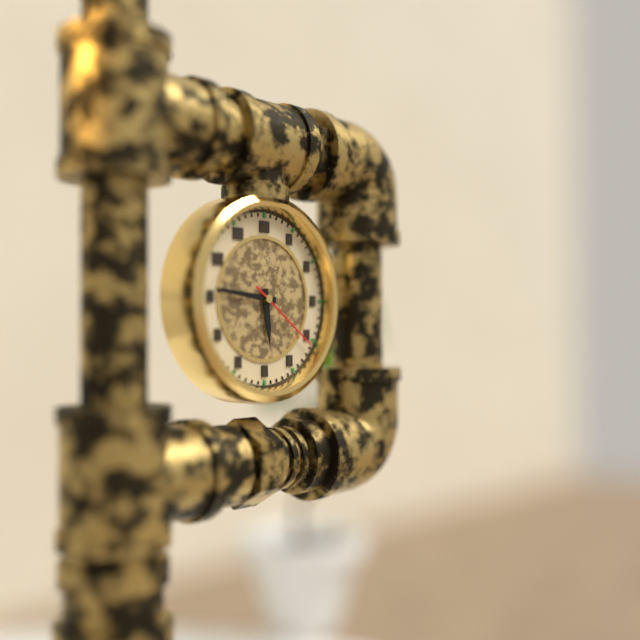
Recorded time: 5:46:21
